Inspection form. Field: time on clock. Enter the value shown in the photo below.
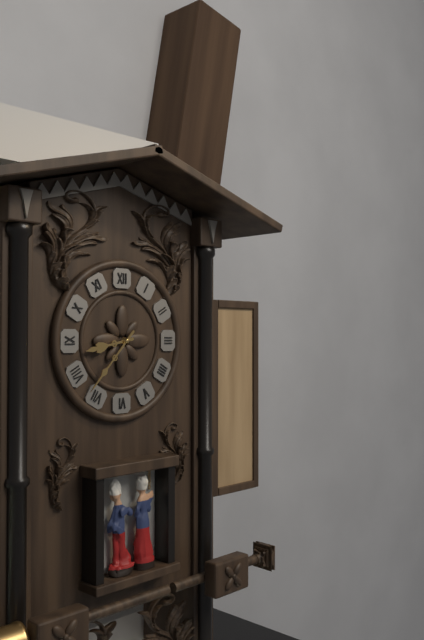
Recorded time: 8:37
